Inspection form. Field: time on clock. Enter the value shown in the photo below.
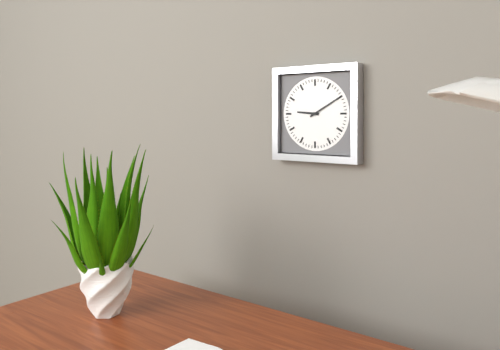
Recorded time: 9:10
